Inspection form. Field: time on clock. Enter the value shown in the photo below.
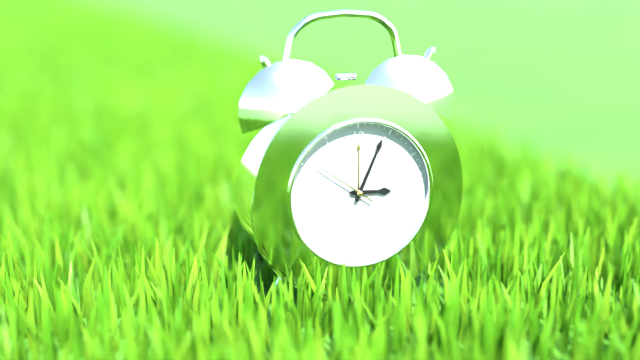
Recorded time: 3:04:51
